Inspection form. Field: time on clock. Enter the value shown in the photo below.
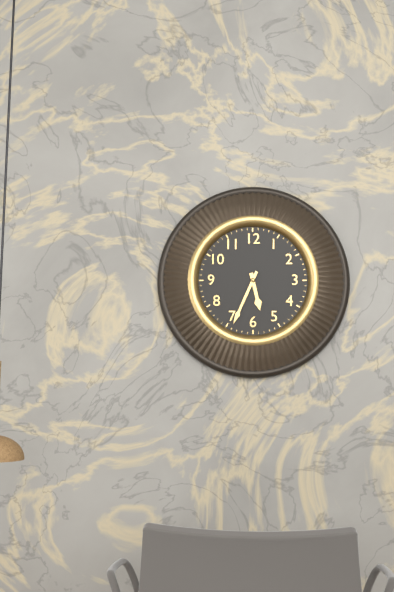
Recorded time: 5:34
